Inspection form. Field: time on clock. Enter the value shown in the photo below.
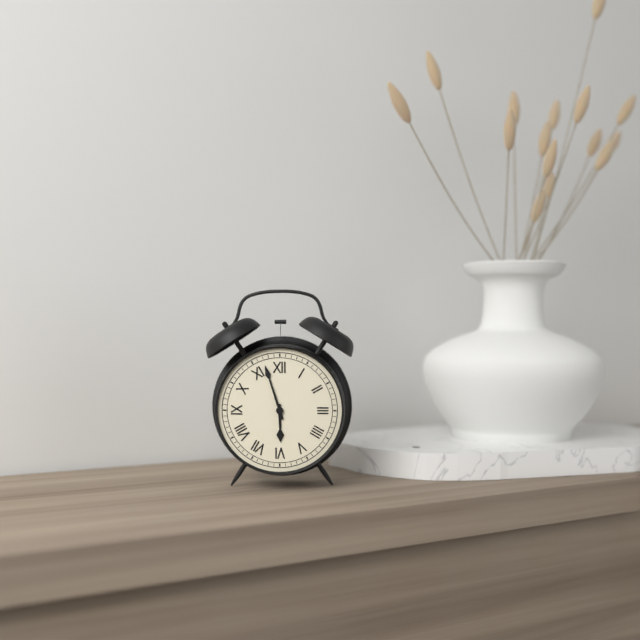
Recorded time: 5:57
